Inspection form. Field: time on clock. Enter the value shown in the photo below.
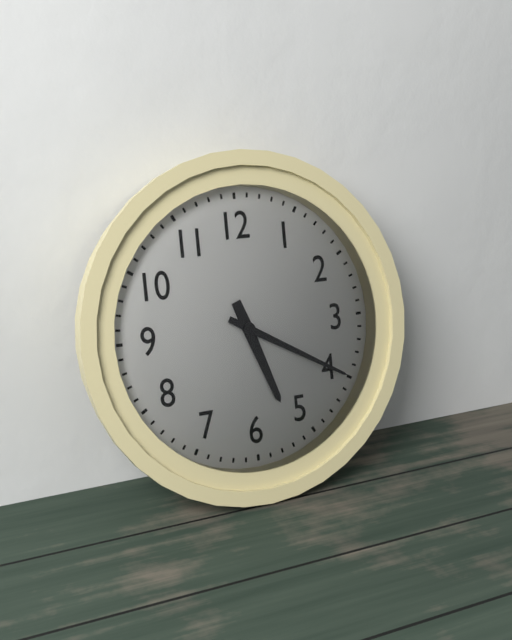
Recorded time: 5:20
